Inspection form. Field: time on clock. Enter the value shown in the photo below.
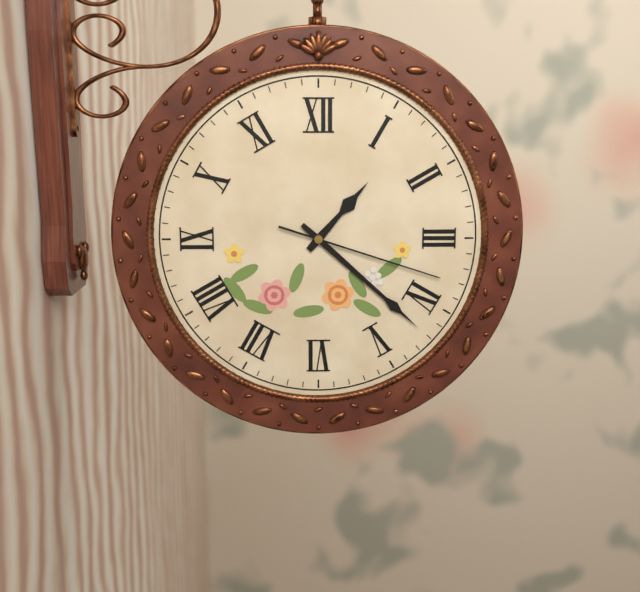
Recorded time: 1:22:18
